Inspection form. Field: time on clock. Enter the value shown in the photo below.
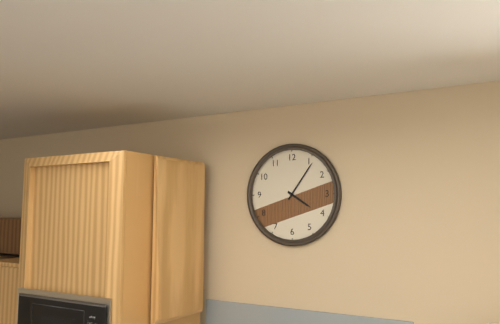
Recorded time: 4:06
